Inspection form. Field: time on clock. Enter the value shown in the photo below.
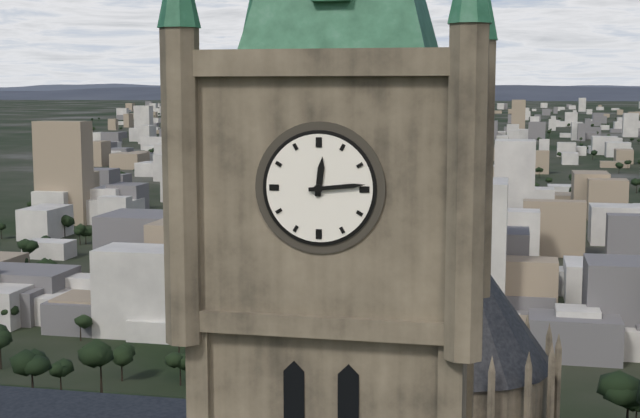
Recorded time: 12:14
